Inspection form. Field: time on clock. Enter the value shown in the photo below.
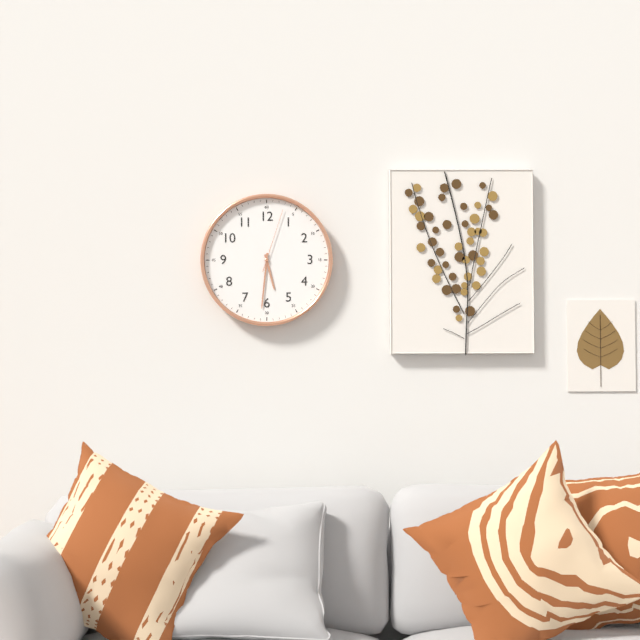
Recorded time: 5:31:03
